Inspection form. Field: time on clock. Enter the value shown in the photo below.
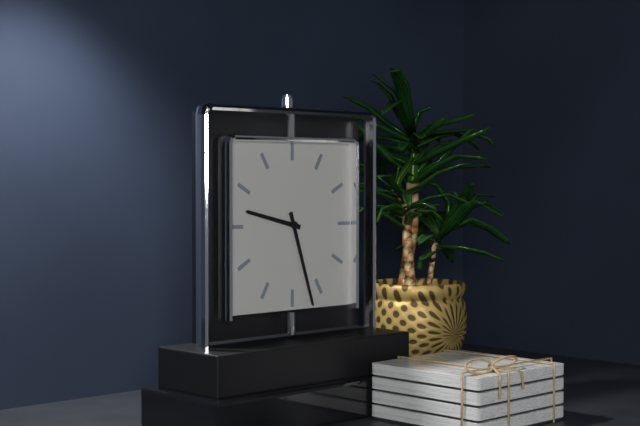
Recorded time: 9:27
